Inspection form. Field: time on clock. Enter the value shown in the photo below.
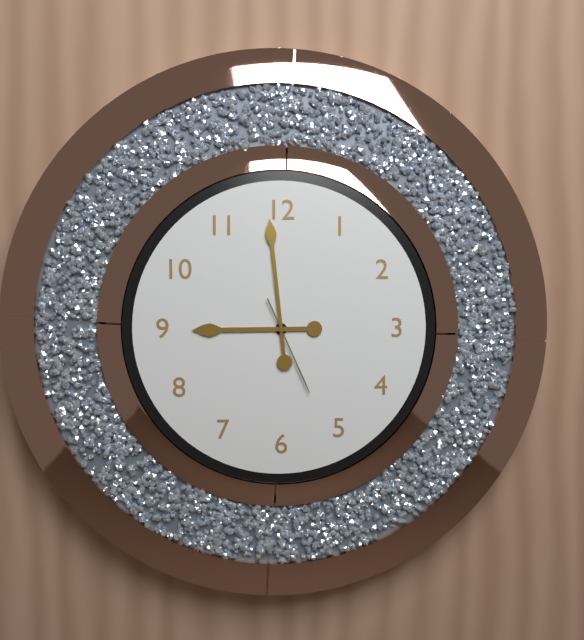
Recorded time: 8:59:26
